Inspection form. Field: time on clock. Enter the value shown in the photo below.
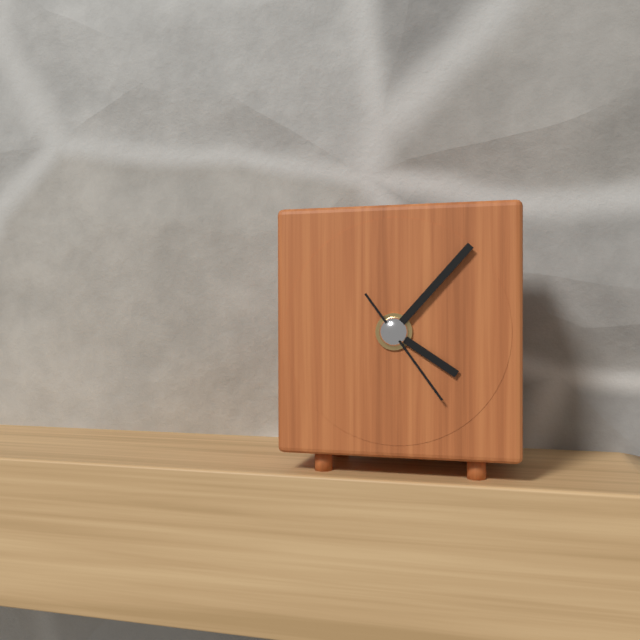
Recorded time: 4:07:24
